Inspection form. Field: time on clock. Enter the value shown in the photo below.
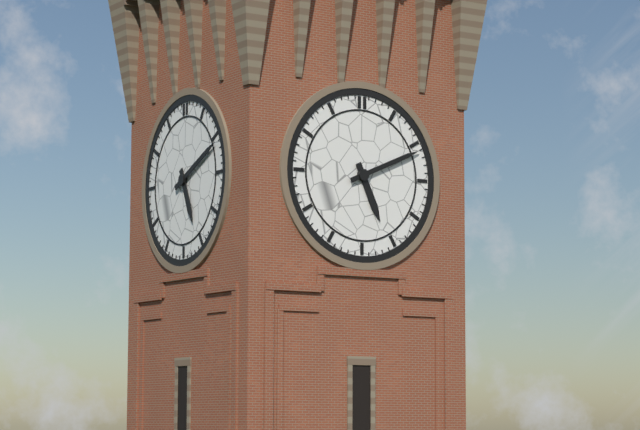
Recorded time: 5:11
